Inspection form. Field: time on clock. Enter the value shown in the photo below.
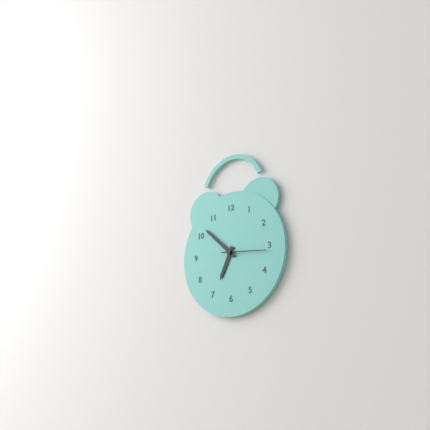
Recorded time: 6:52
